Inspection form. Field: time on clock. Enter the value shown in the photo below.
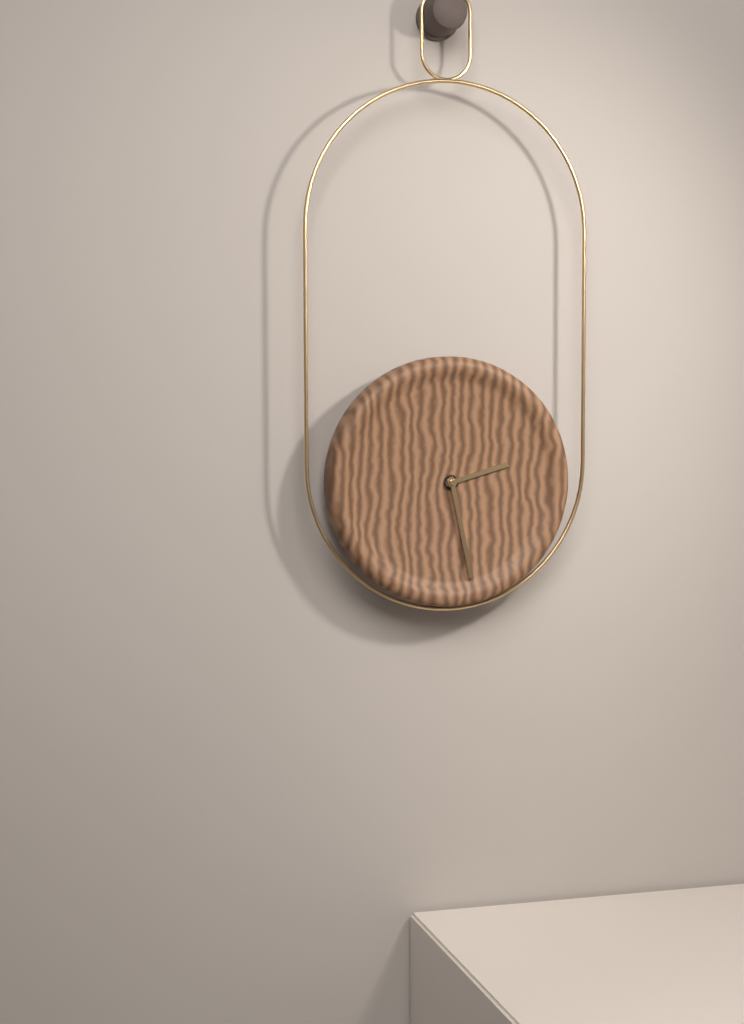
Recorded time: 2:28
